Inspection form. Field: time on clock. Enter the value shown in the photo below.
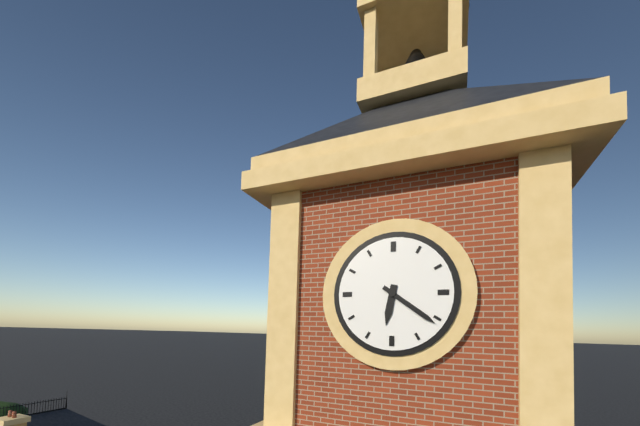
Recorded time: 6:21
